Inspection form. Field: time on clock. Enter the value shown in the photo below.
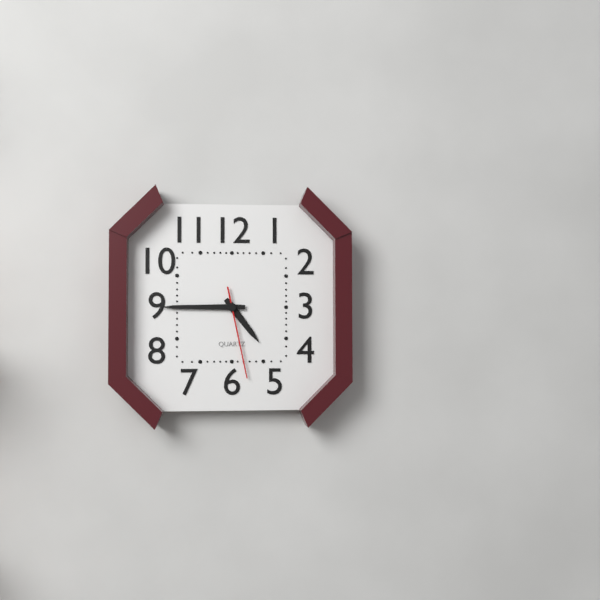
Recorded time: 4:45:28
